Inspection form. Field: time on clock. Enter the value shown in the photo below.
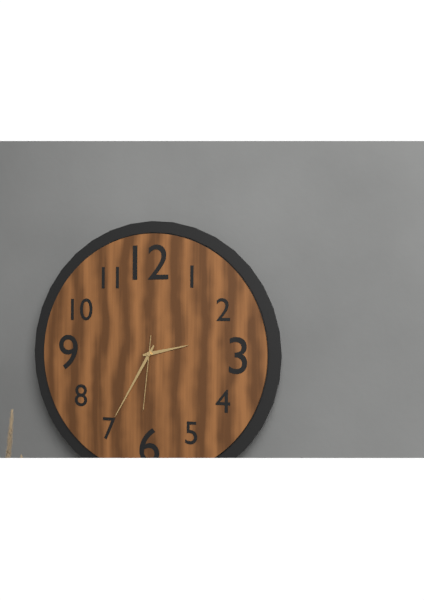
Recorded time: 2:35:31
